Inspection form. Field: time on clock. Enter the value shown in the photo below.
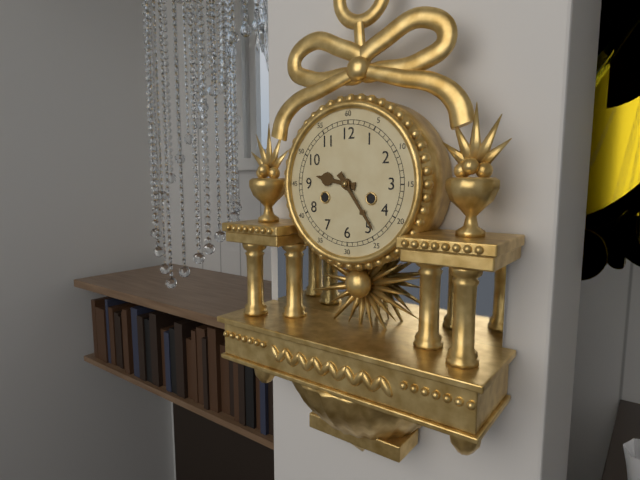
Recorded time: 9:24
